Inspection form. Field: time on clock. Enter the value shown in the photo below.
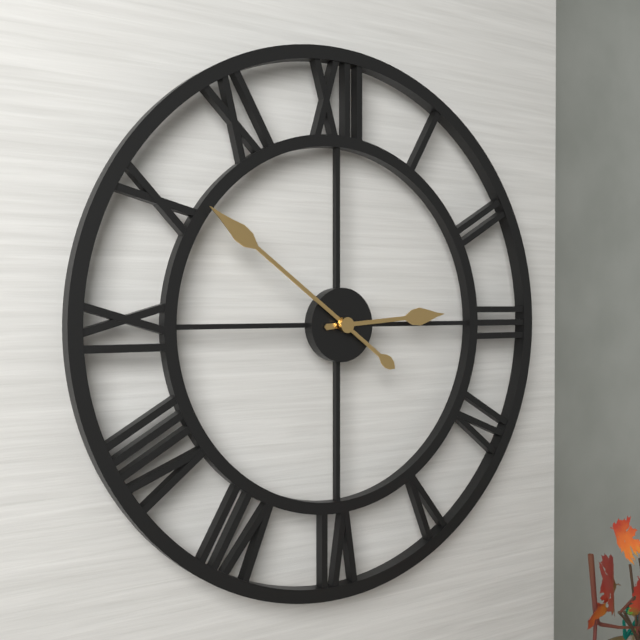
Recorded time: 2:51
